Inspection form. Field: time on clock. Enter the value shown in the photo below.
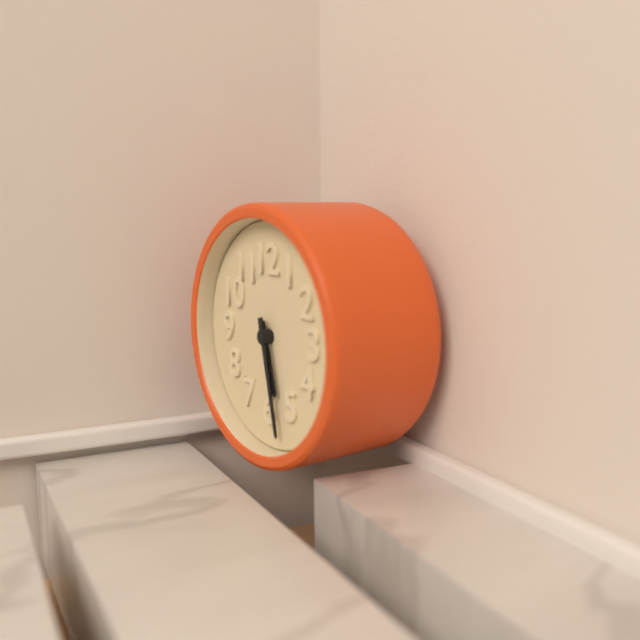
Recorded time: 5:28
